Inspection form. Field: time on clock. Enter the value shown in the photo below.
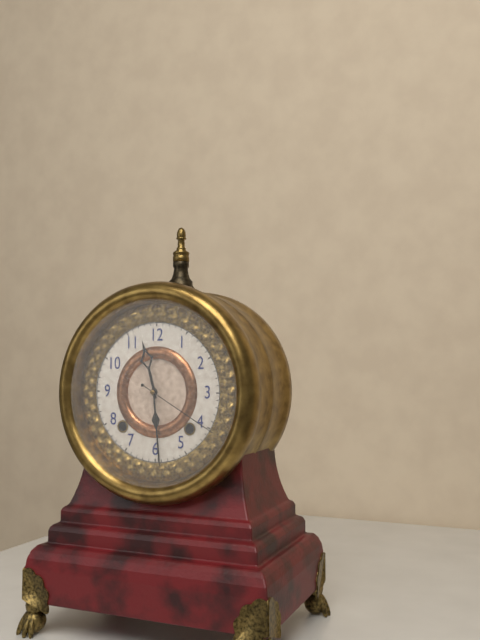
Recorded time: 11:29:20
